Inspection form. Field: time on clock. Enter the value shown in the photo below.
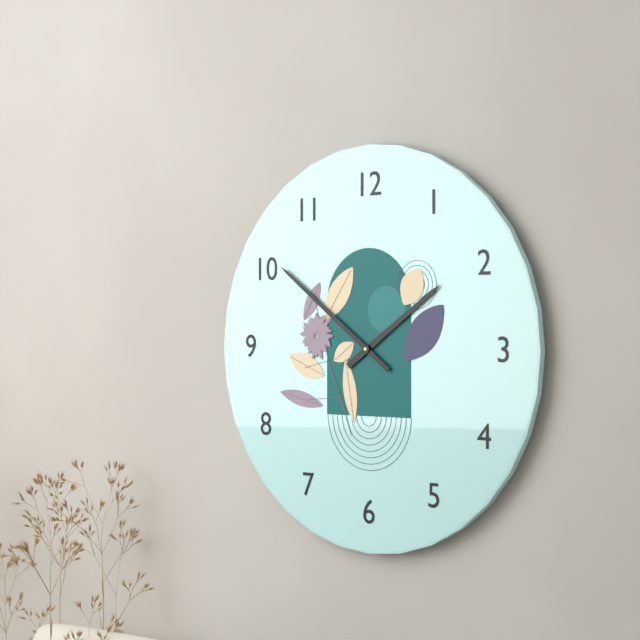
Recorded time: 1:51
